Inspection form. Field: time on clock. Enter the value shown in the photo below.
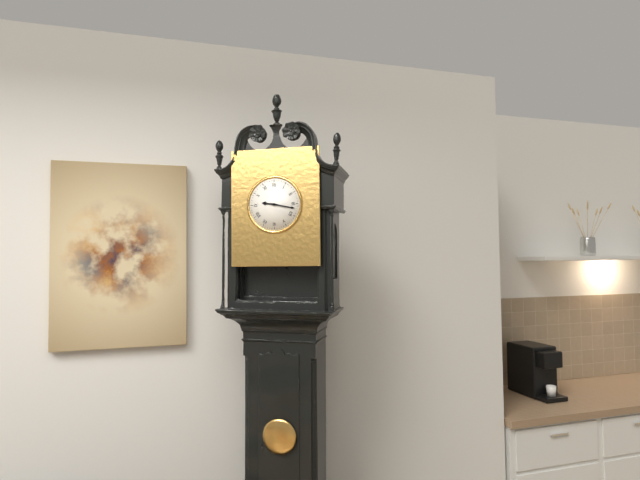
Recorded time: 9:17
